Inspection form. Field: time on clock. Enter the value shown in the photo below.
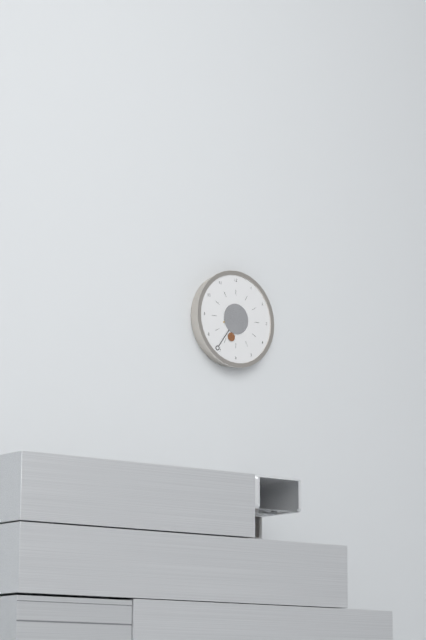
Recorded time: 6:36
